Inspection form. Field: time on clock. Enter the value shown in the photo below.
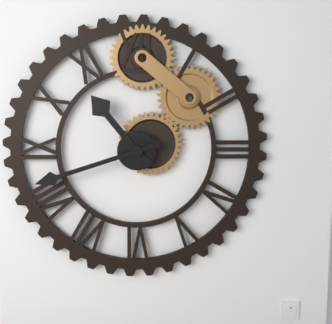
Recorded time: 10:42
